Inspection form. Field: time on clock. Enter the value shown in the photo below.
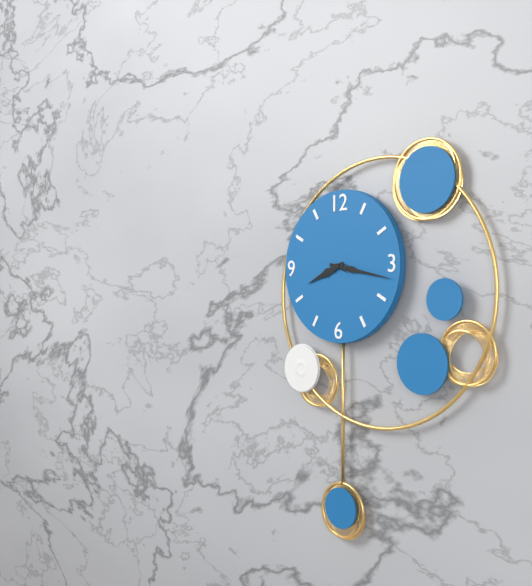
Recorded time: 8:17
